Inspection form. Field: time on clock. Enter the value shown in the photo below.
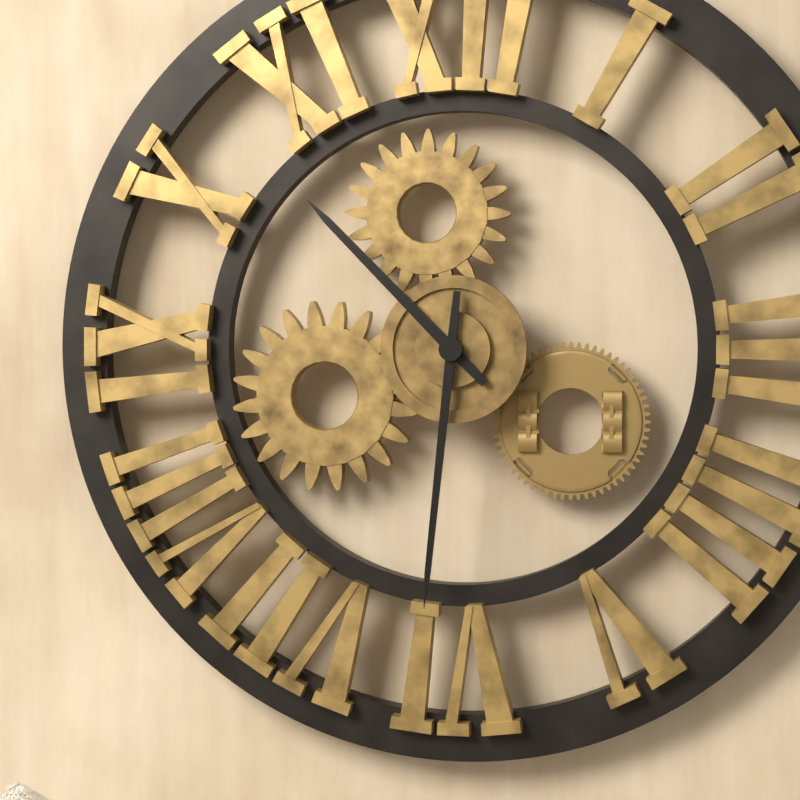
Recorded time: 10:31
